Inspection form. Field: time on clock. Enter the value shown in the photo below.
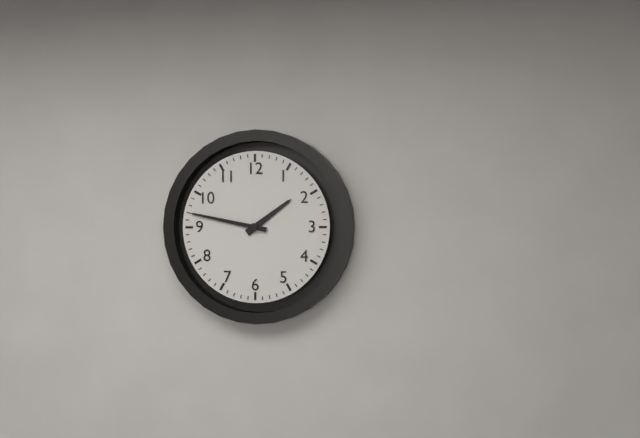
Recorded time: 1:47
